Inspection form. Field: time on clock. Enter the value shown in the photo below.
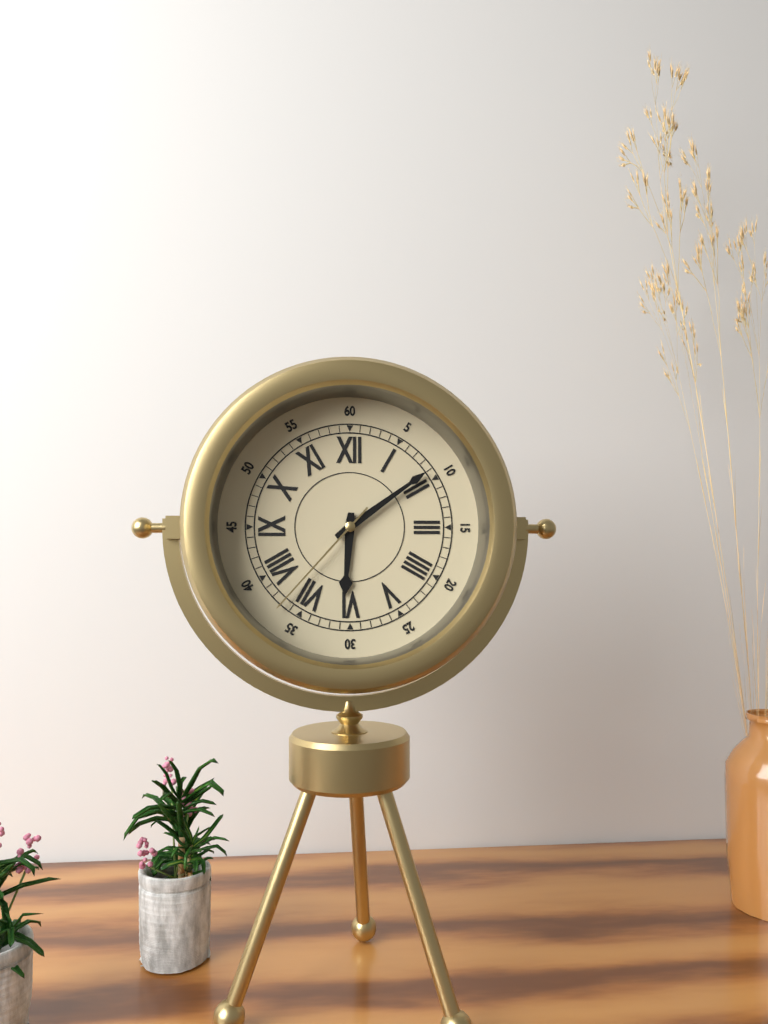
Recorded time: 6:09:37
